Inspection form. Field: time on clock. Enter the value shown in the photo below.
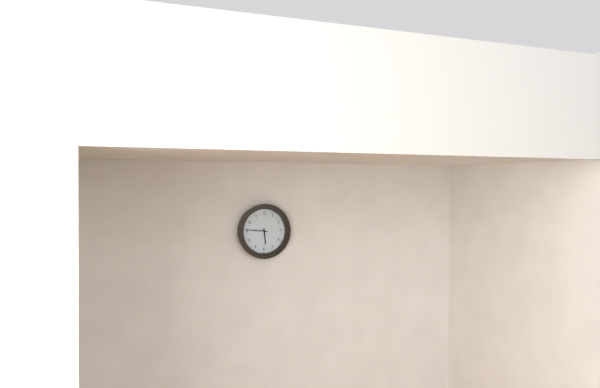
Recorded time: 5:46
